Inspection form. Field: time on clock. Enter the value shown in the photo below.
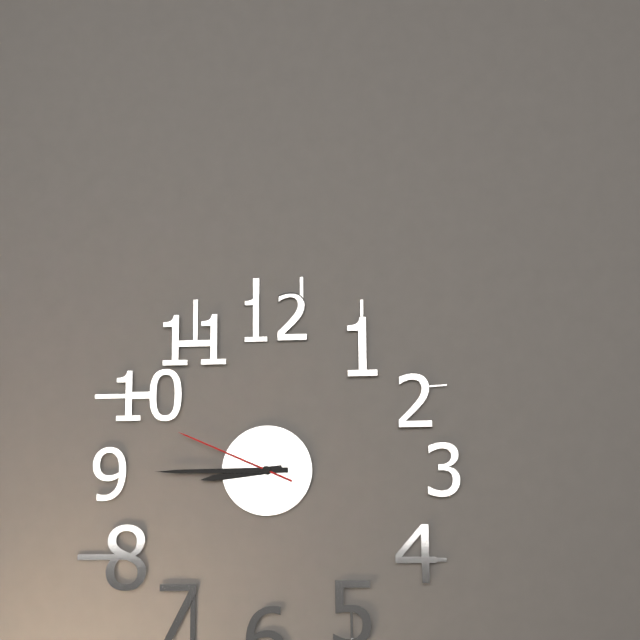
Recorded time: 8:45:49
